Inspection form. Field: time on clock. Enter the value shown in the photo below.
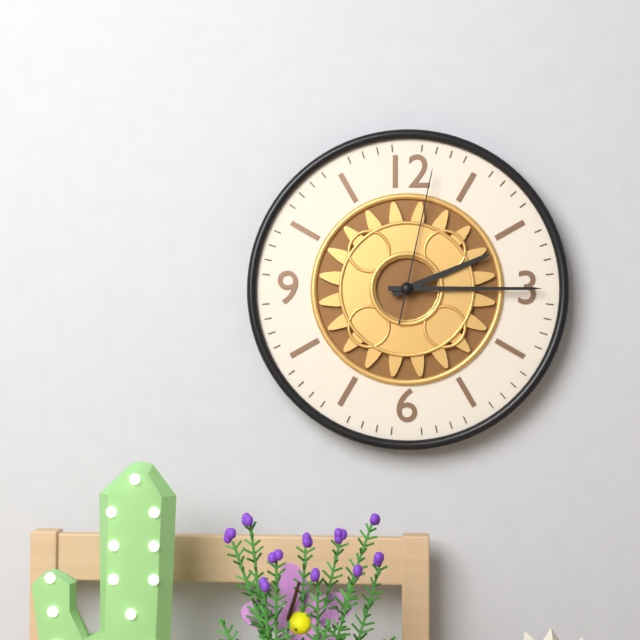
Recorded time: 2:15:02
